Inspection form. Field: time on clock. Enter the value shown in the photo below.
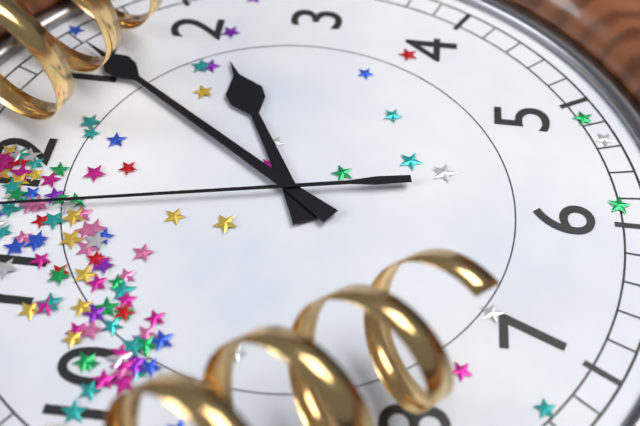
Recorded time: 2:06
